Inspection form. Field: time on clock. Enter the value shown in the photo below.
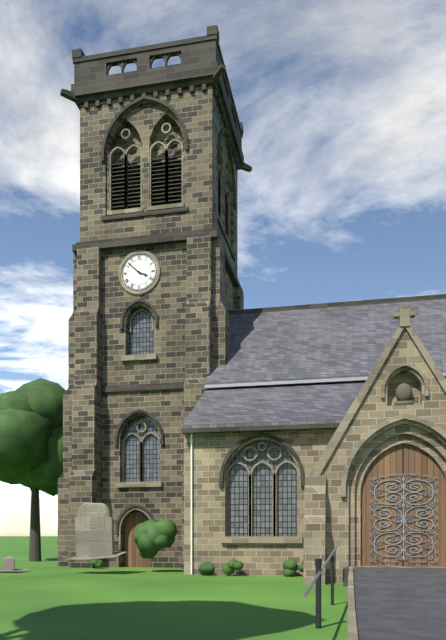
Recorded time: 3:52
